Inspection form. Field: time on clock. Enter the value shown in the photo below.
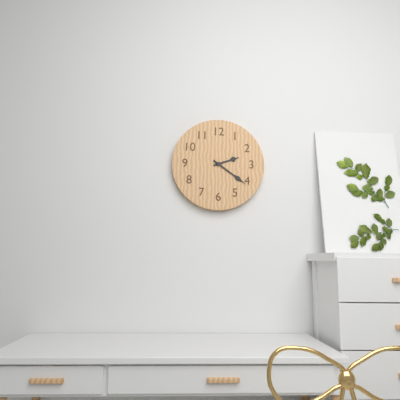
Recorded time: 2:21
